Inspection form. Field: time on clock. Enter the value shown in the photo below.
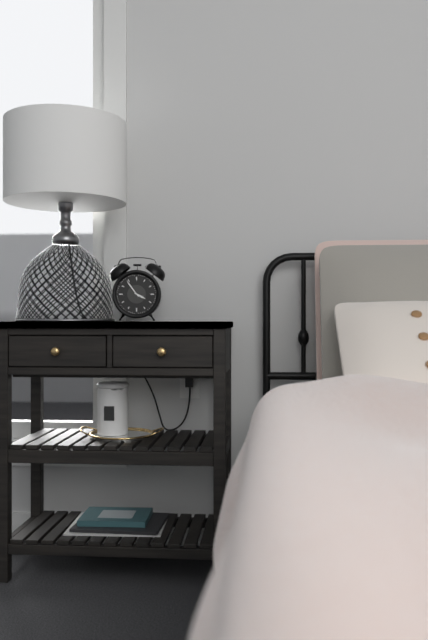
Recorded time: 3:54
